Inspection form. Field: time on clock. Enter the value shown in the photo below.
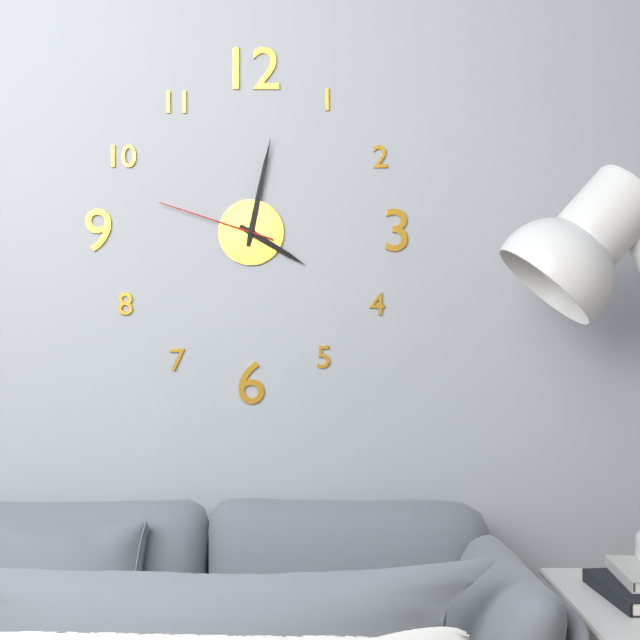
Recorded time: 4:02:48
